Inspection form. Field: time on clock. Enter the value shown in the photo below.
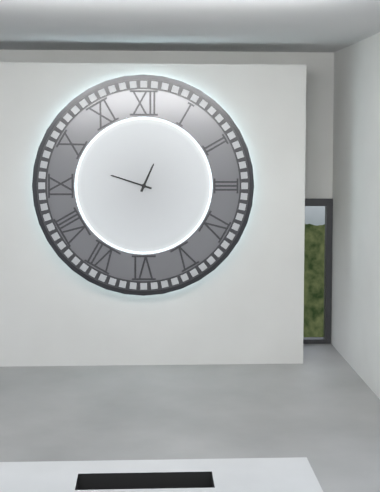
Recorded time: 12:48
